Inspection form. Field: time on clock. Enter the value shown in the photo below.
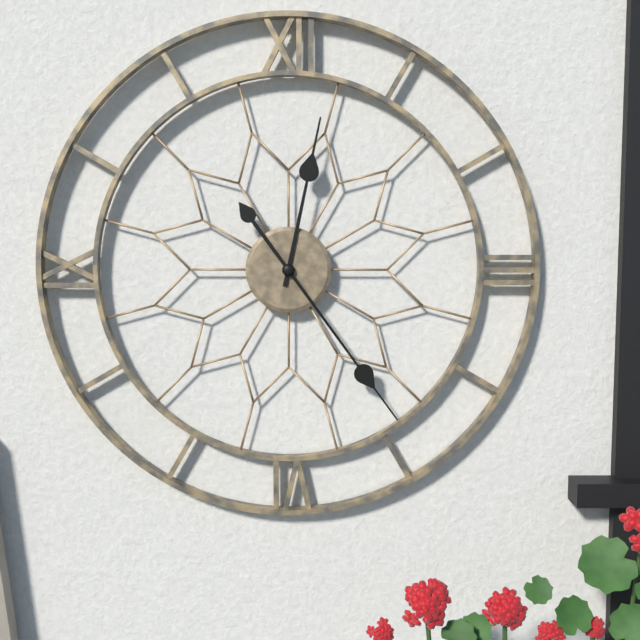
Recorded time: 12:24
